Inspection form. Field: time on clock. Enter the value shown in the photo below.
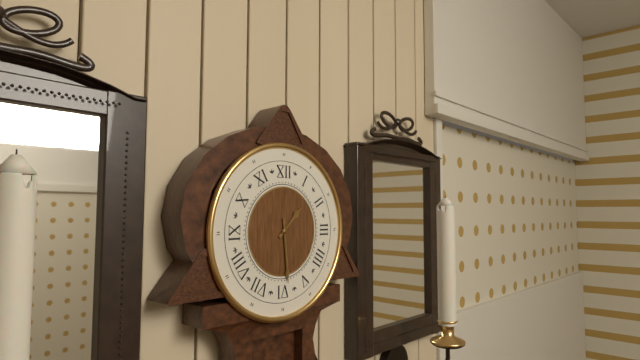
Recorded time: 1:29
